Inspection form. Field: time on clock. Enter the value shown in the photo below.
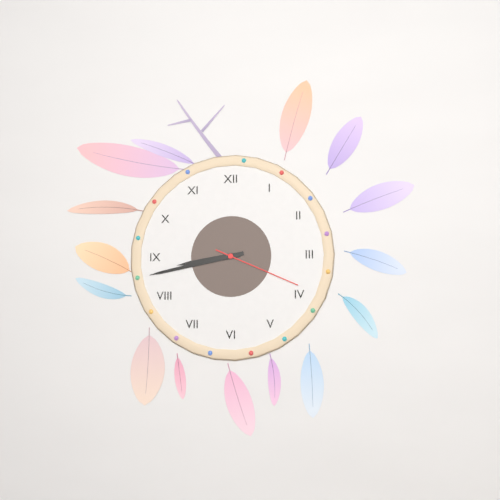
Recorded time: 8:43:19
